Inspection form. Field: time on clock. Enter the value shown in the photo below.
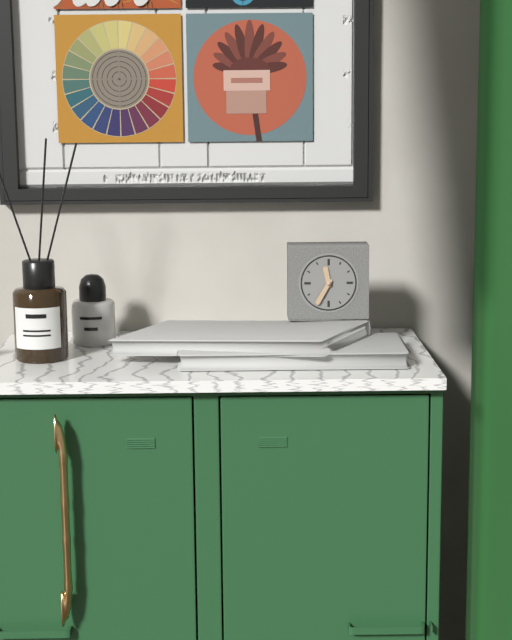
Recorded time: 11:35
